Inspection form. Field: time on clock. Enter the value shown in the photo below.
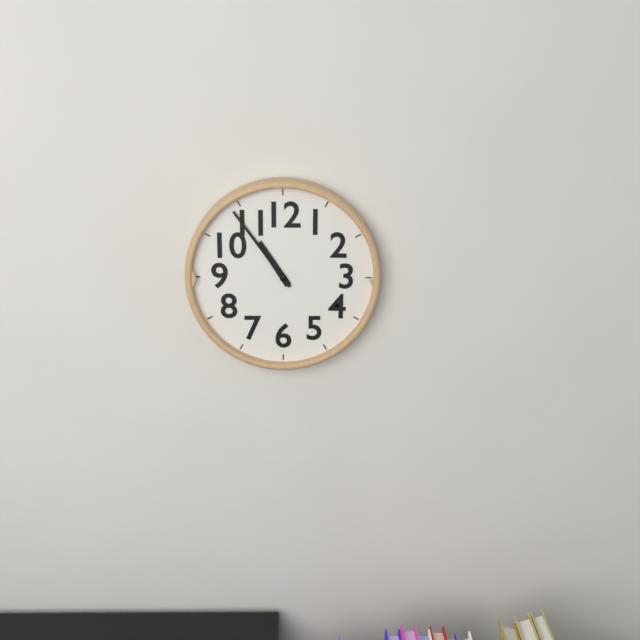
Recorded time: 10:54
